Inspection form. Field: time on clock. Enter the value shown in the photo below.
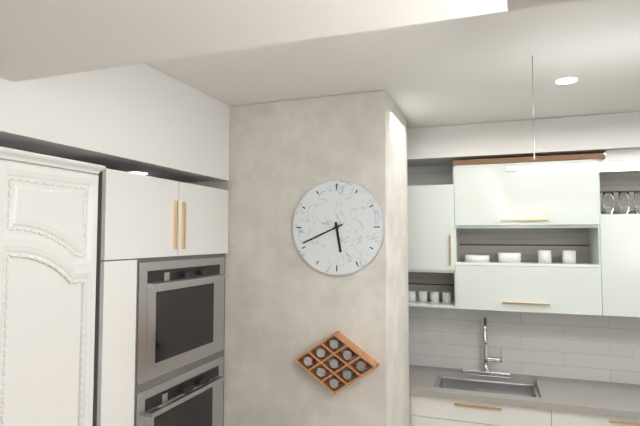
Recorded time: 5:41
